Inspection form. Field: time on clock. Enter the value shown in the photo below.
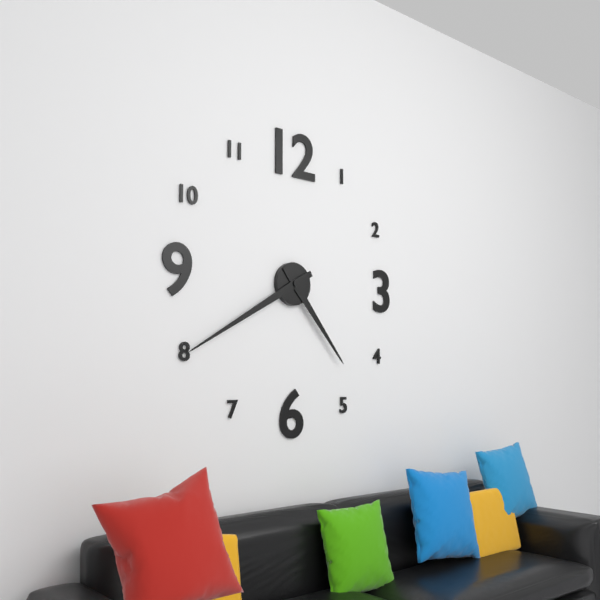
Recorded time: 4:40
